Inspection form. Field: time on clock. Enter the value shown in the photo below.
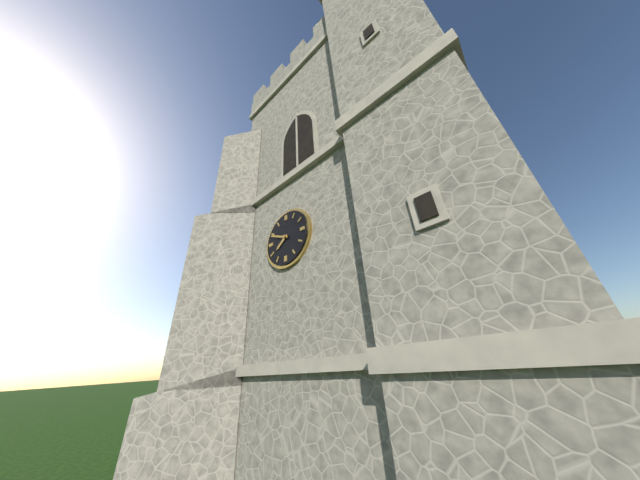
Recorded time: 7:49
